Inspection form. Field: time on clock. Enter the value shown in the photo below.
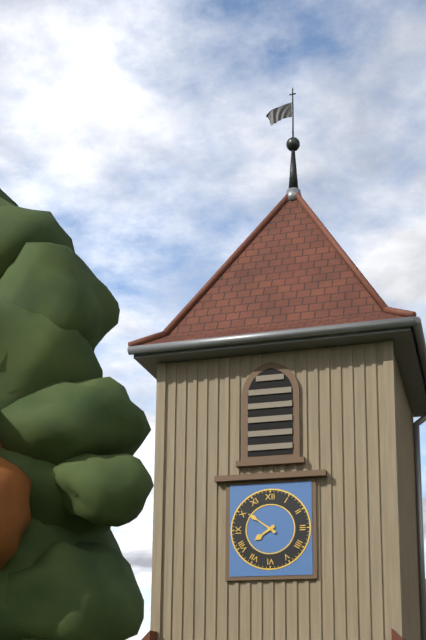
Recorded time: 7:51
